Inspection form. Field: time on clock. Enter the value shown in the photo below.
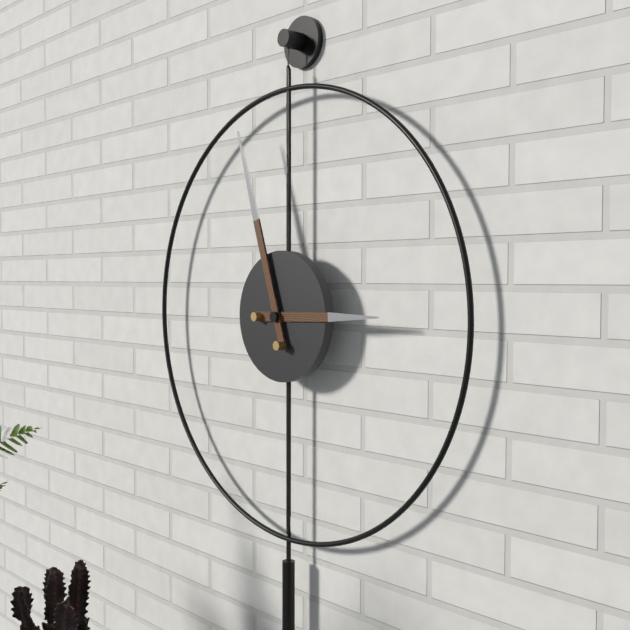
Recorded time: 2:57
